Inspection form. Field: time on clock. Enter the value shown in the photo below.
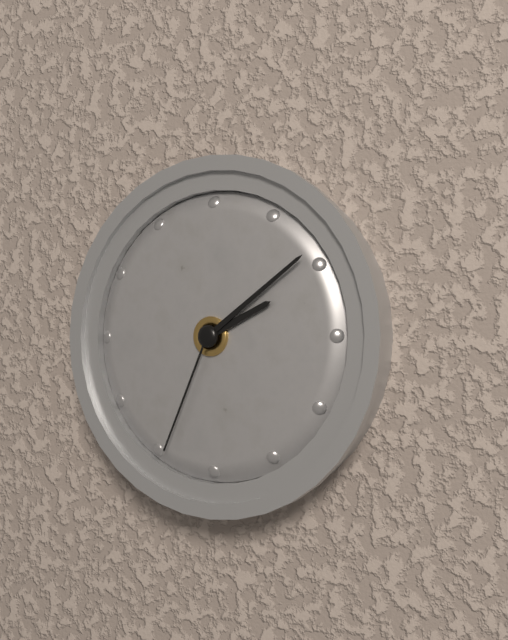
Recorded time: 2:09:34
